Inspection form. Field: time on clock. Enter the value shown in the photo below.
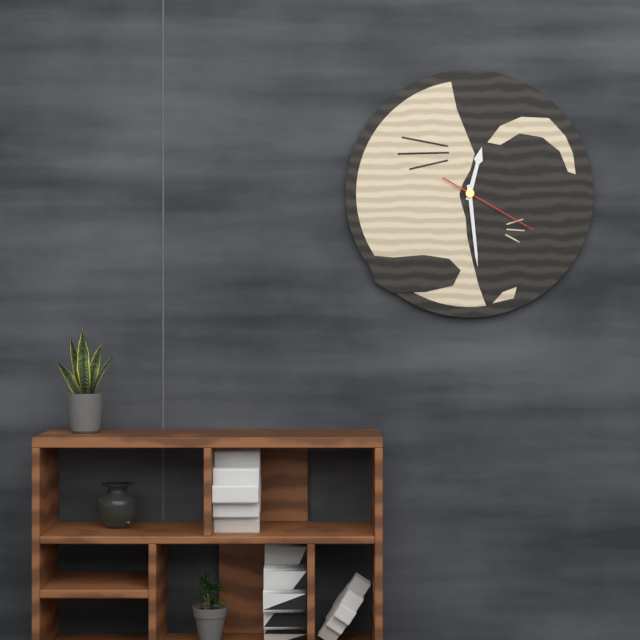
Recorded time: 12:29:20
